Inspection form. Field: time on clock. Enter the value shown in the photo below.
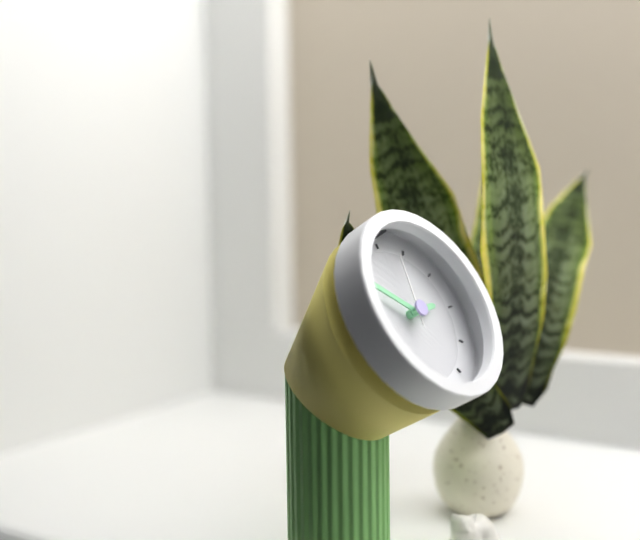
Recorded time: 2:51:02
